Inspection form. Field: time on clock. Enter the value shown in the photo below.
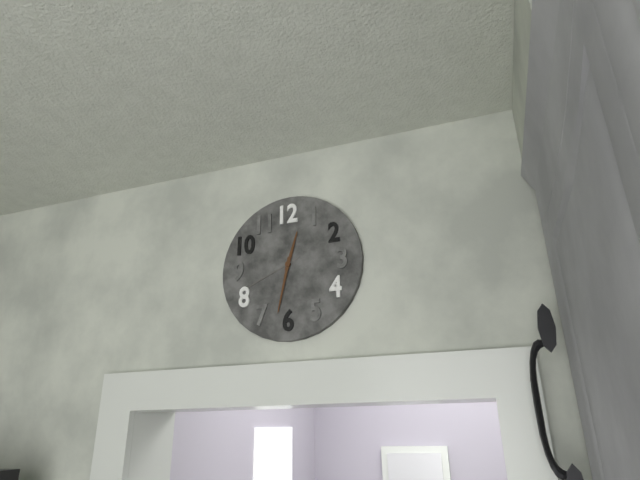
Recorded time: 12:32:41
